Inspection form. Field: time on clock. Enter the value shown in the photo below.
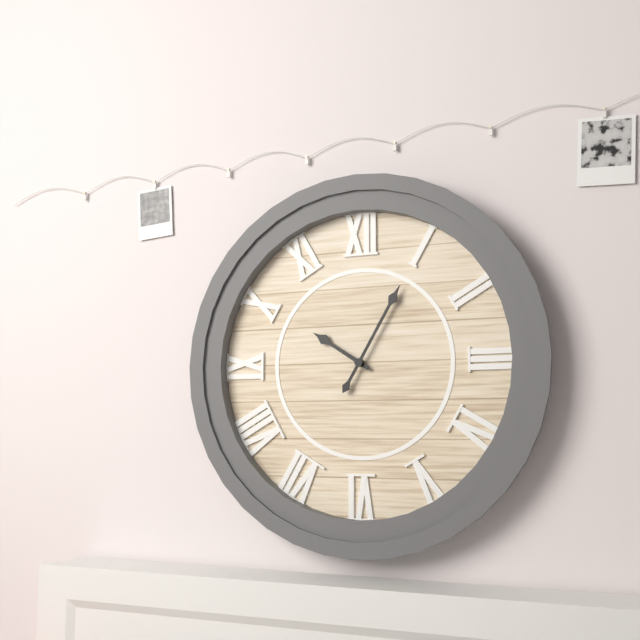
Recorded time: 10:05
